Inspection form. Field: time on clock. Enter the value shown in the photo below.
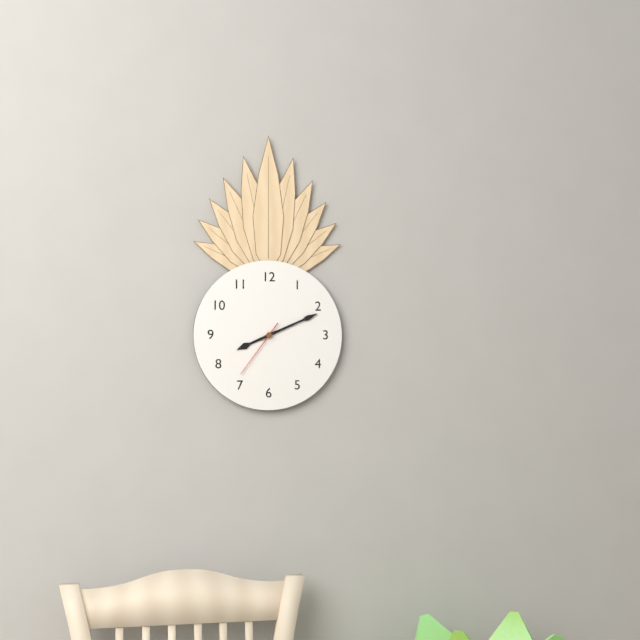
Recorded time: 8:11:36
